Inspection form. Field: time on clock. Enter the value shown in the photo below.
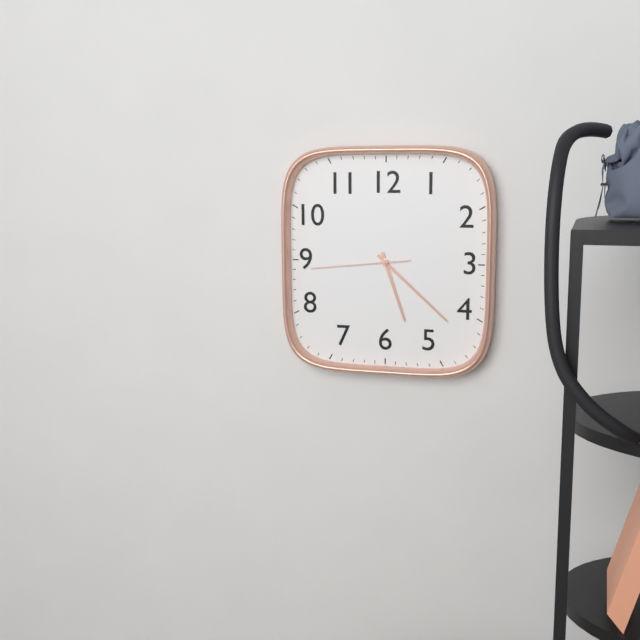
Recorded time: 5:22:44
